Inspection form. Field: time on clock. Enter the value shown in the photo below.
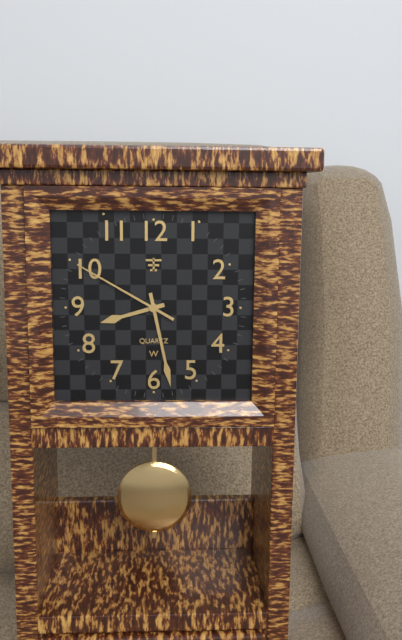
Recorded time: 8:28:50
